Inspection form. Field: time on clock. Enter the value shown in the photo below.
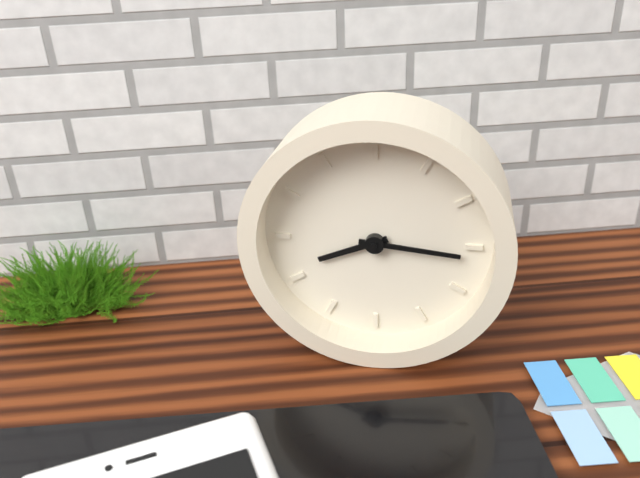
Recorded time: 8:16
